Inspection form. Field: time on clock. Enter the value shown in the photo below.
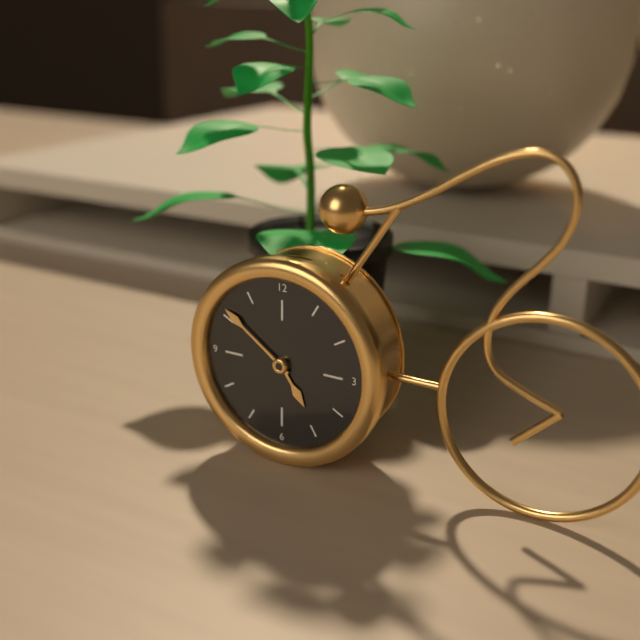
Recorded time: 4:51
